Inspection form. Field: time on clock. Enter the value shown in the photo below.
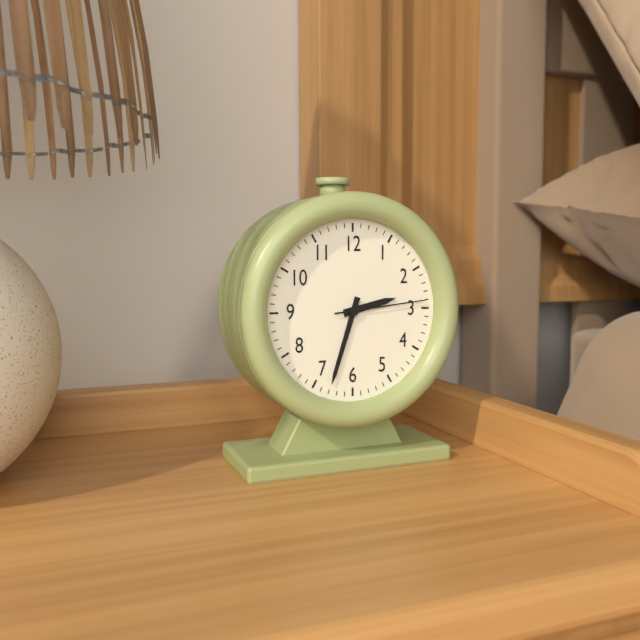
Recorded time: 2:33:14
